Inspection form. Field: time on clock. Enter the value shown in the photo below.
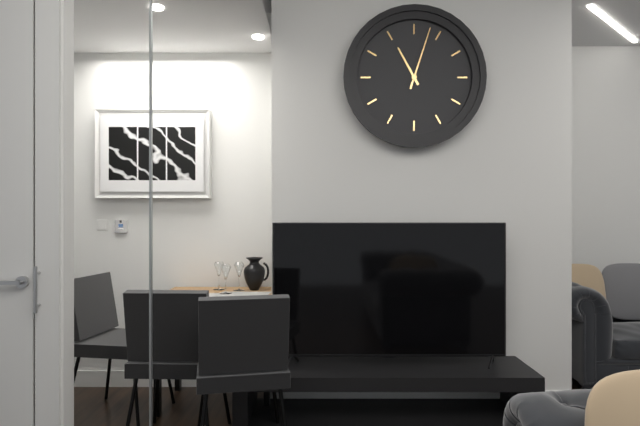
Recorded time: 11:03
